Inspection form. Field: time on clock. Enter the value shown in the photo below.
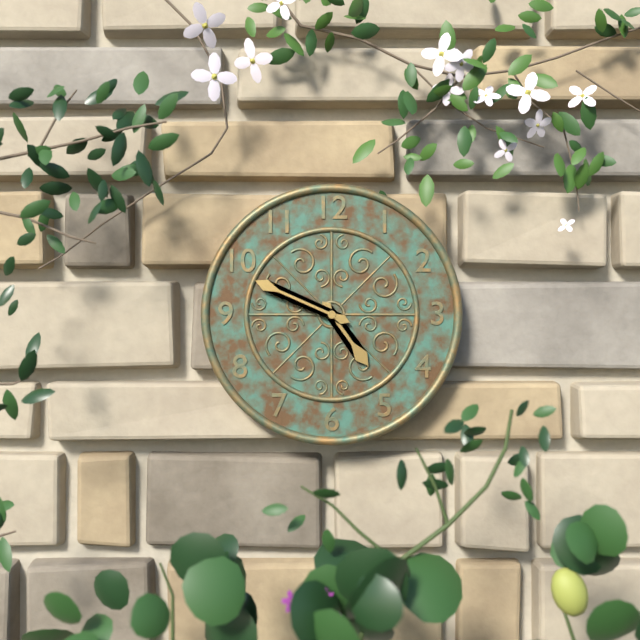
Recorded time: 4:49
